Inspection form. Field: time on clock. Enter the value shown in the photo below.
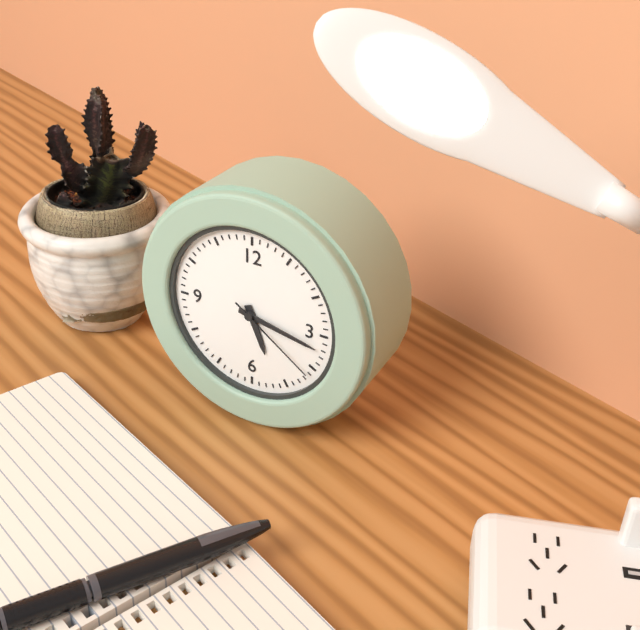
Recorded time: 5:17:21
